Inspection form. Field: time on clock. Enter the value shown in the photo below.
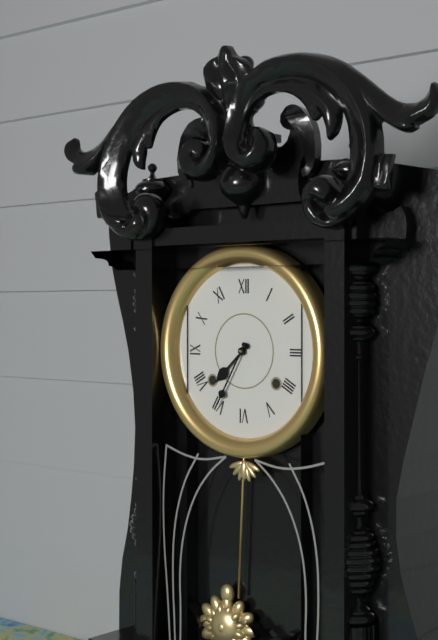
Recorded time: 7:35
